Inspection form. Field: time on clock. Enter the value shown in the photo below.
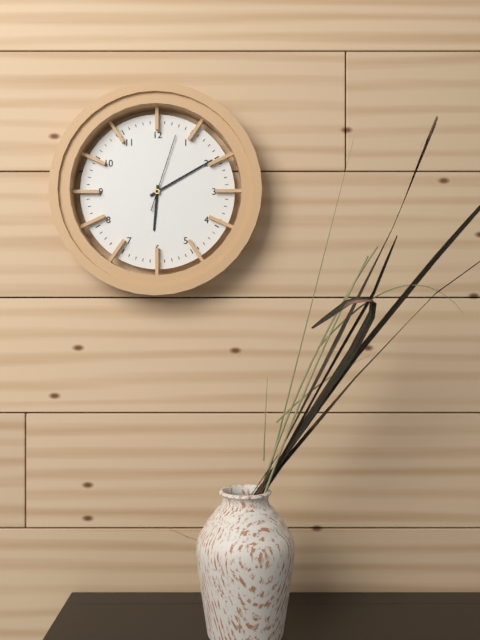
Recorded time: 6:10:03
